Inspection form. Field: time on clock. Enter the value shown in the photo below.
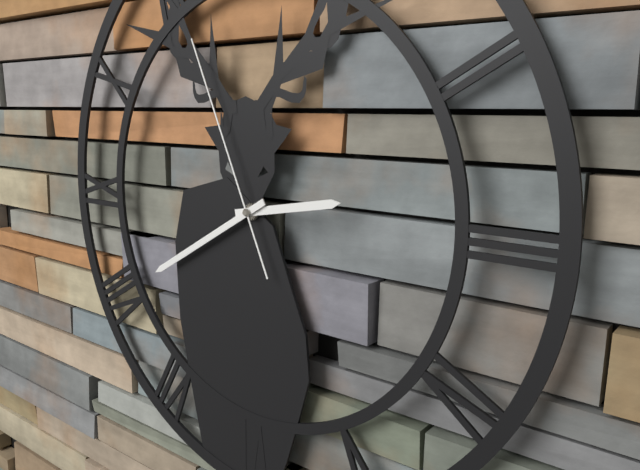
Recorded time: 2:40:56
